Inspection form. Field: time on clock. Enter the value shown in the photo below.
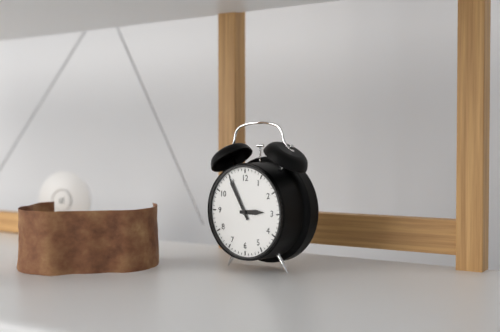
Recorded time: 2:55
